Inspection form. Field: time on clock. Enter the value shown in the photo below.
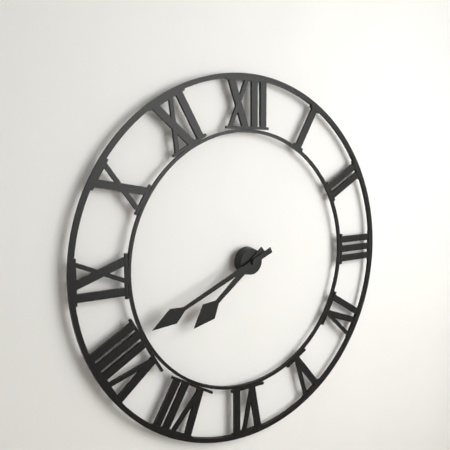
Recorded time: 7:41
